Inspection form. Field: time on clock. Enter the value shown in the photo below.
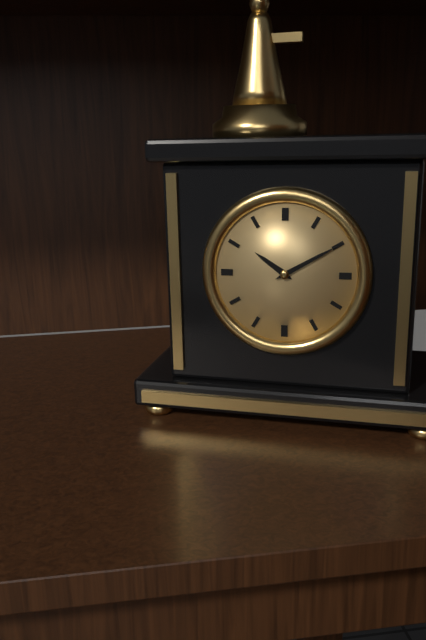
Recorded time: 10:10
